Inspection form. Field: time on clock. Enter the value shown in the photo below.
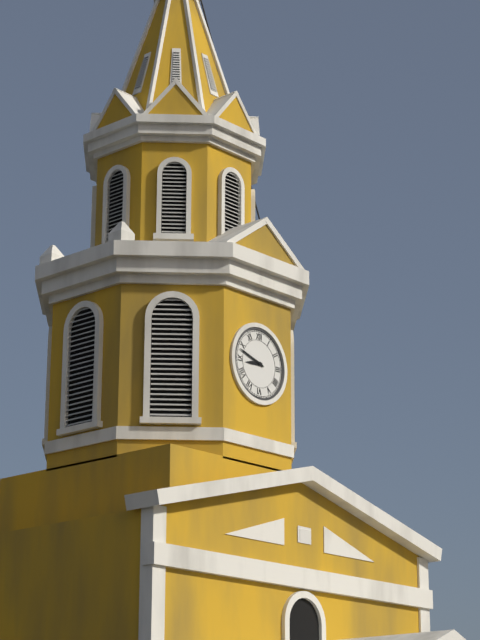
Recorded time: 8:48
